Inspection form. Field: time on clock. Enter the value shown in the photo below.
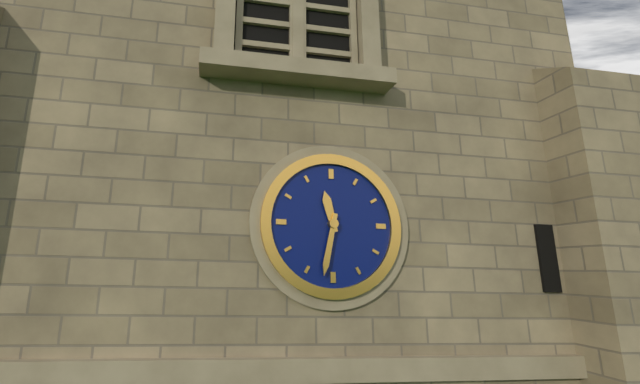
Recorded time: 11:32
